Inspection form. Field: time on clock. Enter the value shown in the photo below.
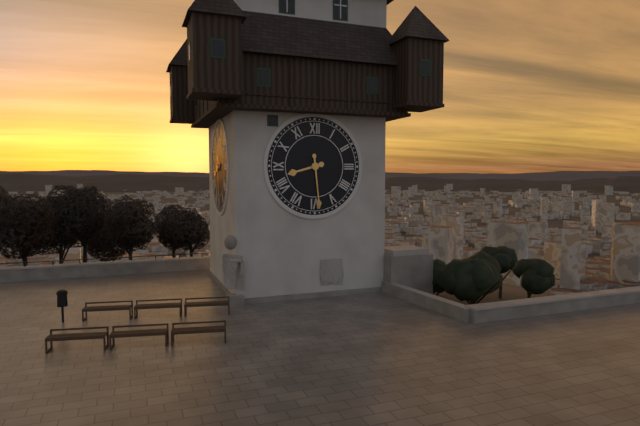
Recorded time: 8:29
